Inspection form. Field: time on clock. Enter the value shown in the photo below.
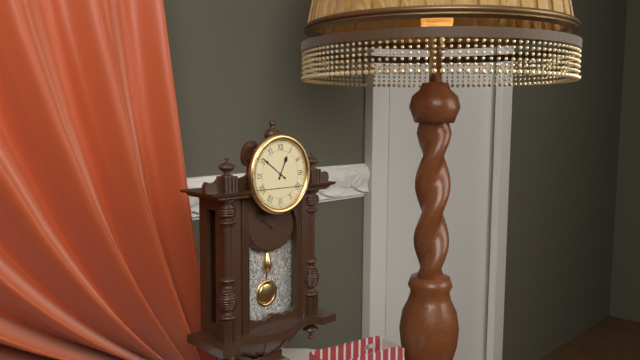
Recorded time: 12:51
